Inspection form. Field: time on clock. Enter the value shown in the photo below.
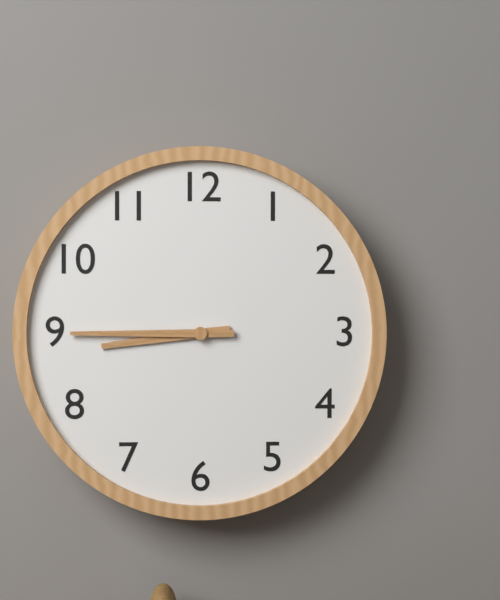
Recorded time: 8:45
